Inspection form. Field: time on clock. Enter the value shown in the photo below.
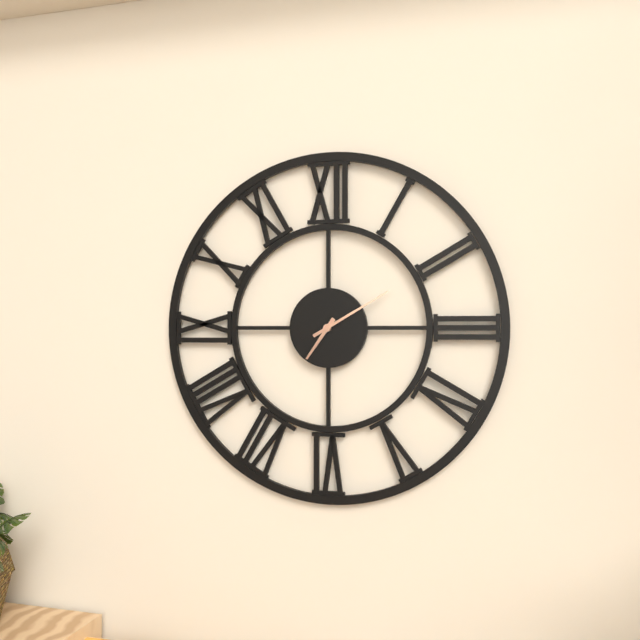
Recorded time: 7:10
